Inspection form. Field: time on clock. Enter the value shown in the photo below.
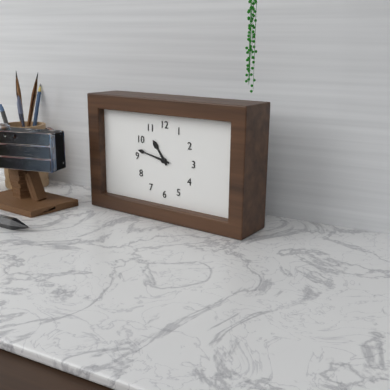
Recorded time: 10:47
